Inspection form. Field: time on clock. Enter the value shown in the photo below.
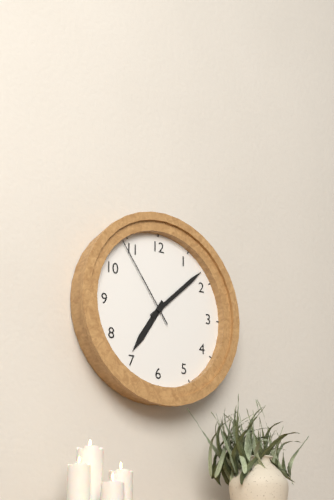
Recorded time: 7:08:54
